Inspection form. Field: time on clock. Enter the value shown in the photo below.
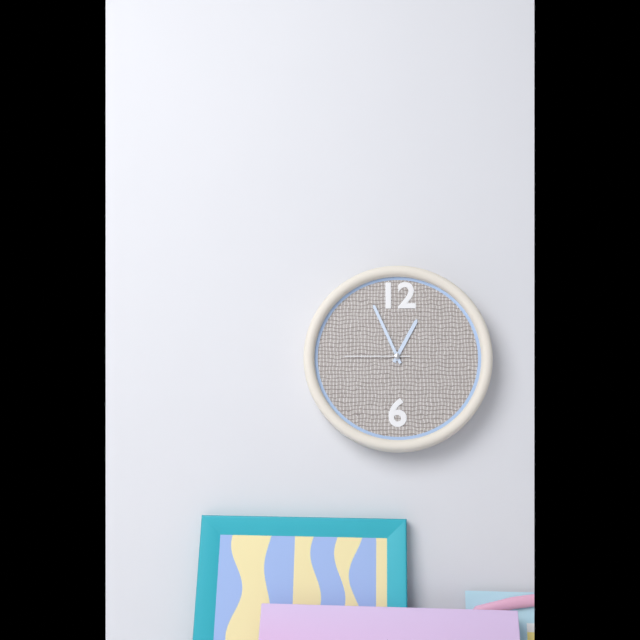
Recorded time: 12:56:45
